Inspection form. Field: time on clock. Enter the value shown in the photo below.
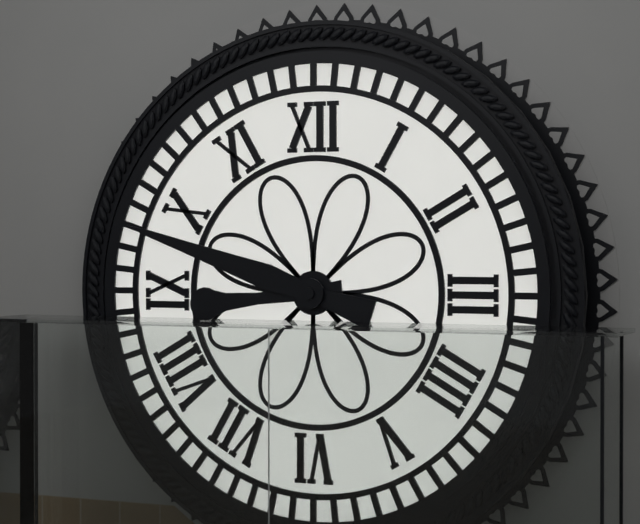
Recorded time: 8:48
